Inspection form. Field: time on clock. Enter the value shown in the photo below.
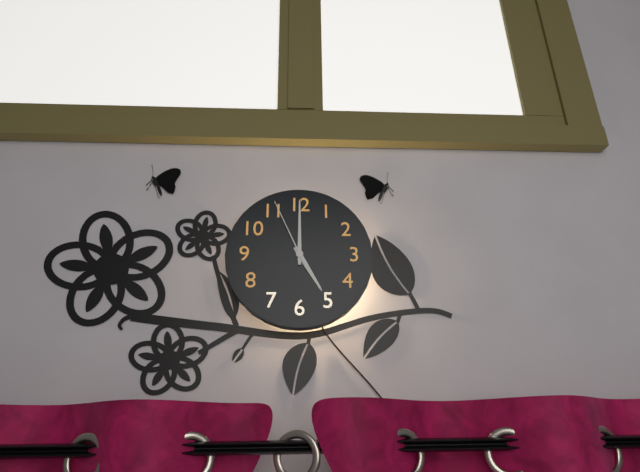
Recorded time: 5:00:56
